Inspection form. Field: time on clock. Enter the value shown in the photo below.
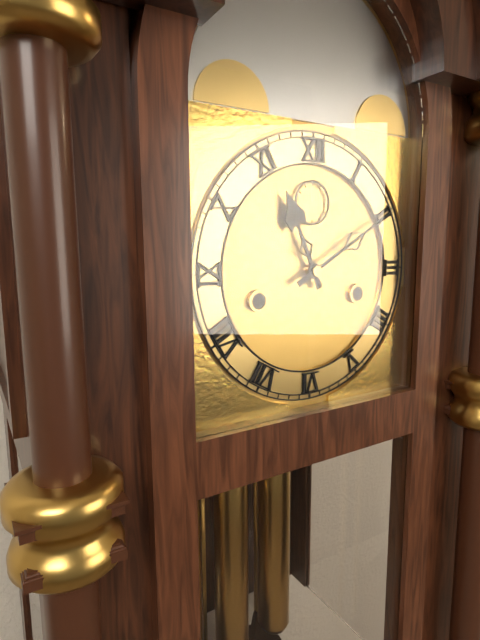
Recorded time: 11:10
